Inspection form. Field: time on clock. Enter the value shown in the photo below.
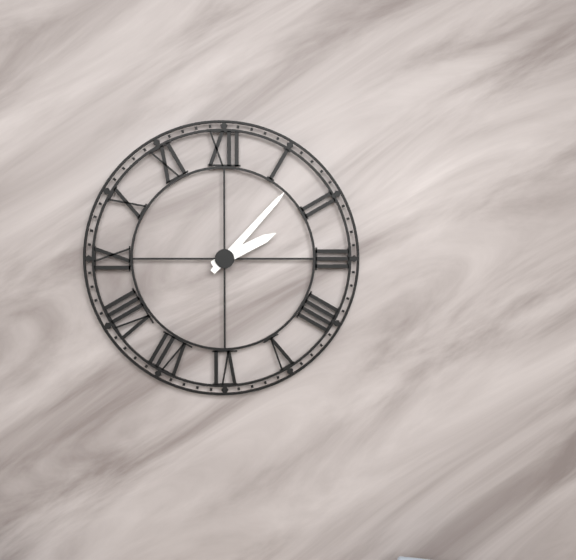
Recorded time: 2:07
